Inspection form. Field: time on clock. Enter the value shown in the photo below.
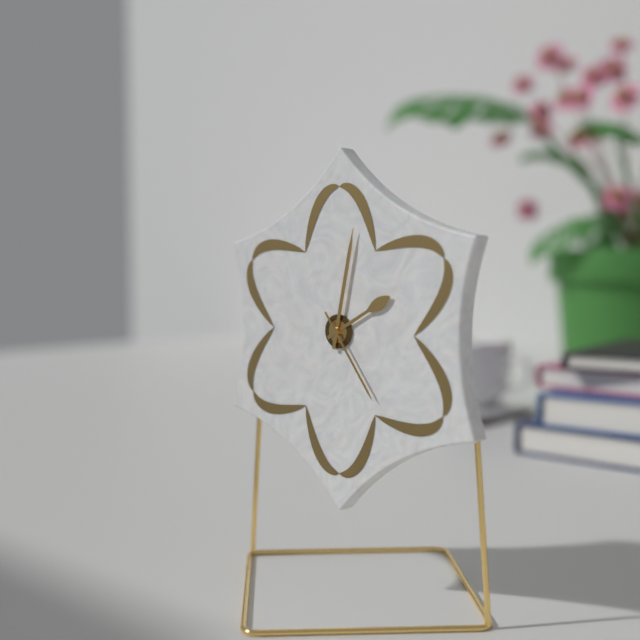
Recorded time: 2:02:24
